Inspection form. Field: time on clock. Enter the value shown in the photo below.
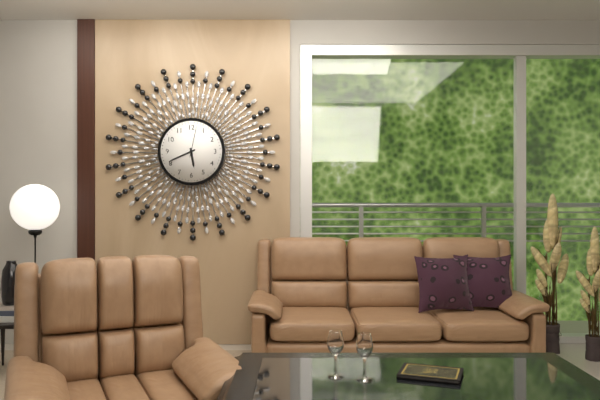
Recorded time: 5:41
